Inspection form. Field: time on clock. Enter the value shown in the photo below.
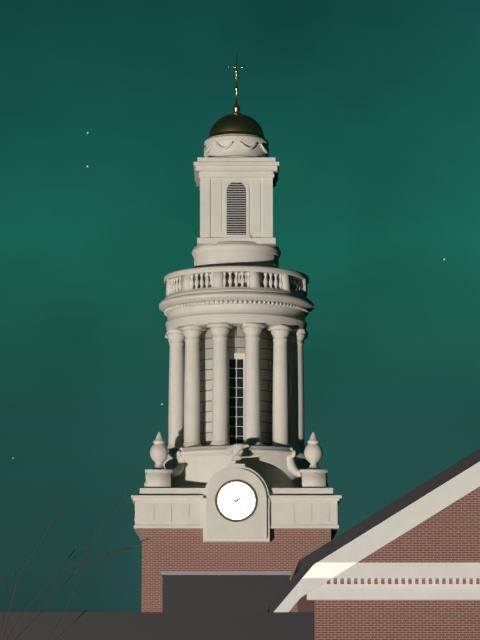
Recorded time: 1:47
